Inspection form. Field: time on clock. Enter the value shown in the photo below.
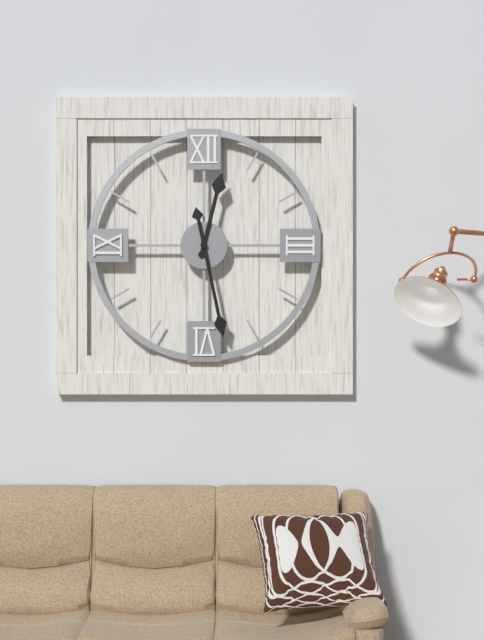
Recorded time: 12:28
